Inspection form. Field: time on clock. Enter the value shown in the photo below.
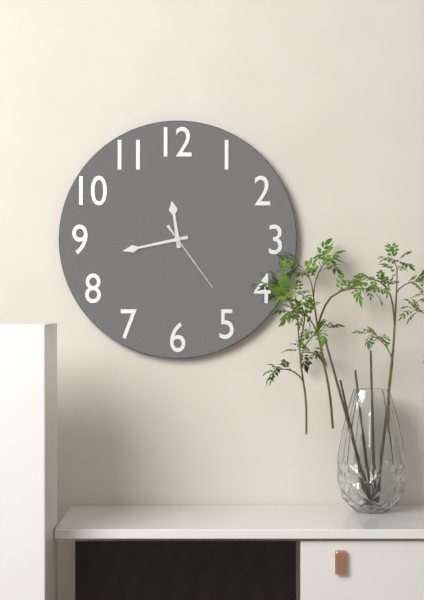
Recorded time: 11:43:24
